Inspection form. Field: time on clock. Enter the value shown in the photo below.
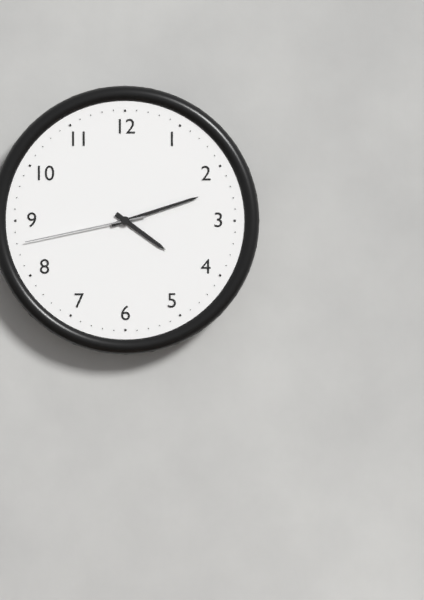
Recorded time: 4:12:43
